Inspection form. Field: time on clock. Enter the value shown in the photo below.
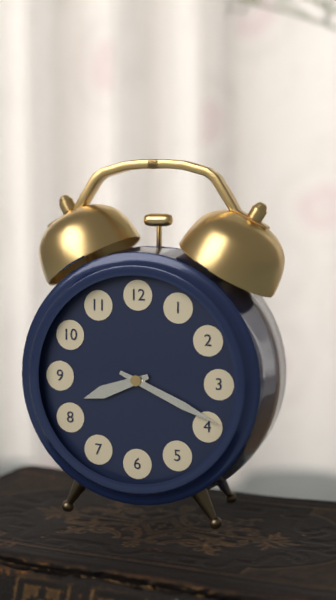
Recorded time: 8:19
